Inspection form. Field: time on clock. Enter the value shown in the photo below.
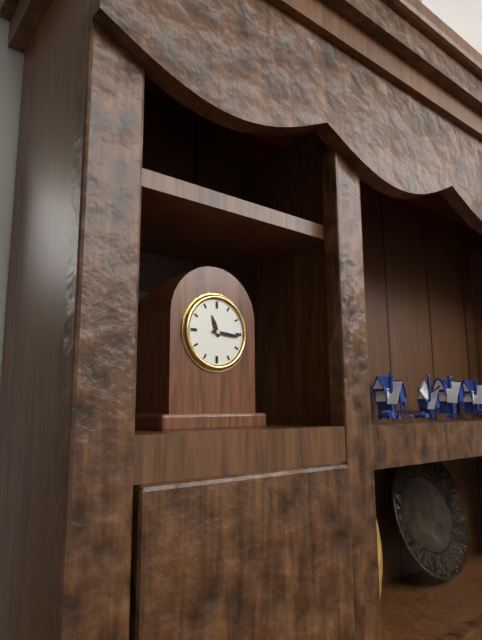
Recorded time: 11:16
